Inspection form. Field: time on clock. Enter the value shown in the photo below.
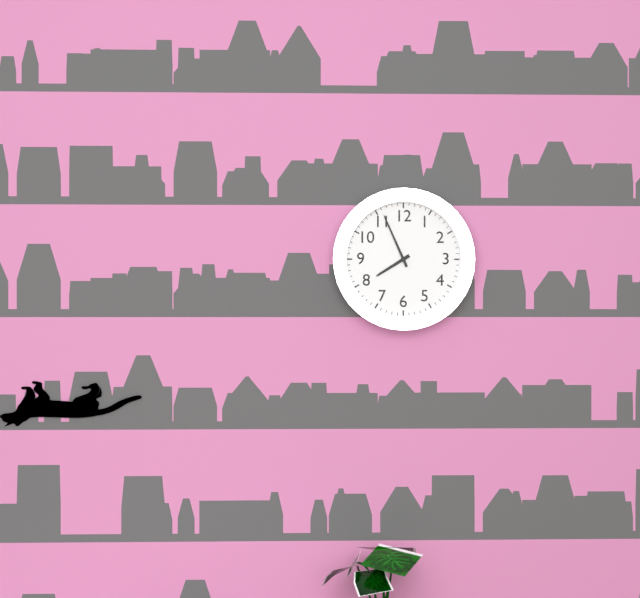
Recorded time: 7:56
